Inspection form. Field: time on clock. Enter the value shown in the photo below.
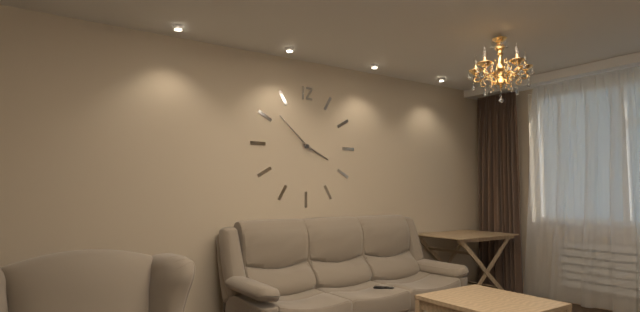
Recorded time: 3:52
